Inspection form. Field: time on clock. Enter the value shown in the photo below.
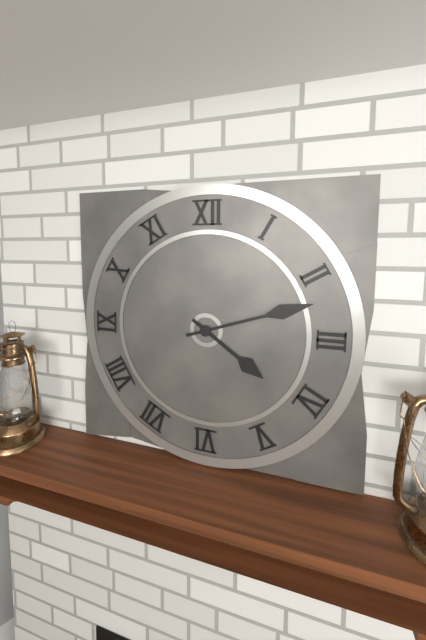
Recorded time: 4:12
